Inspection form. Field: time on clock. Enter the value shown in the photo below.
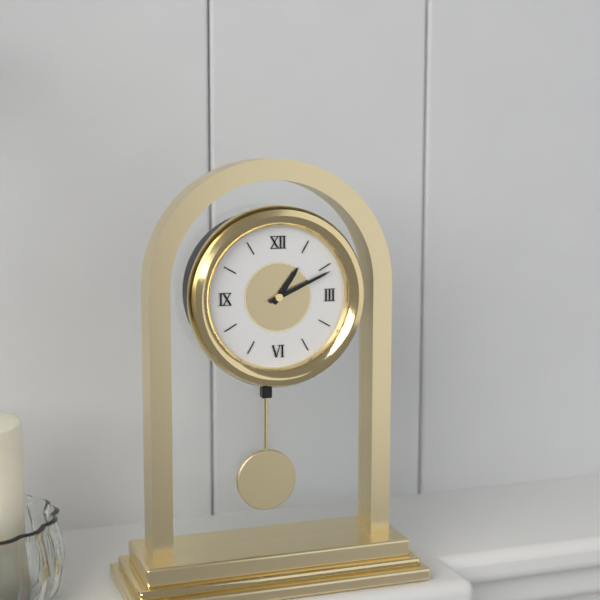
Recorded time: 1:11
